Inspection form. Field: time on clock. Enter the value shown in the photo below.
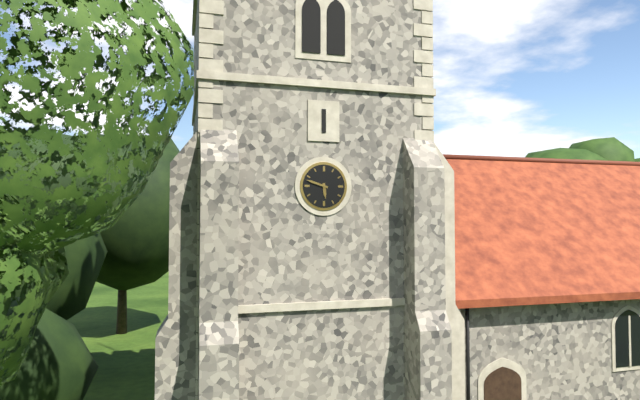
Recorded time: 5:48
